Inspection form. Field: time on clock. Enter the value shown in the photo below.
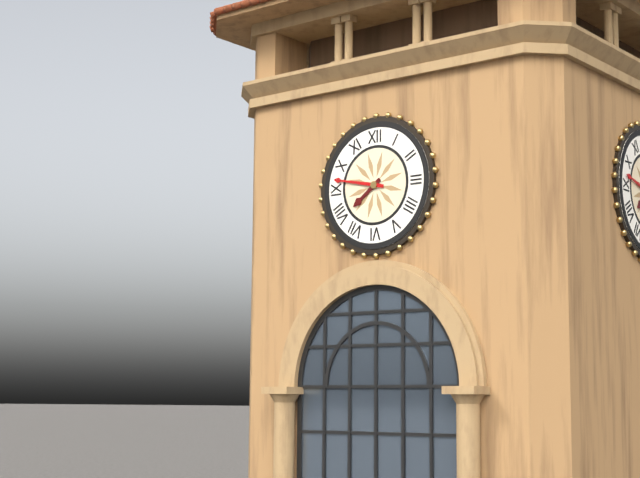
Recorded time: 7:47
